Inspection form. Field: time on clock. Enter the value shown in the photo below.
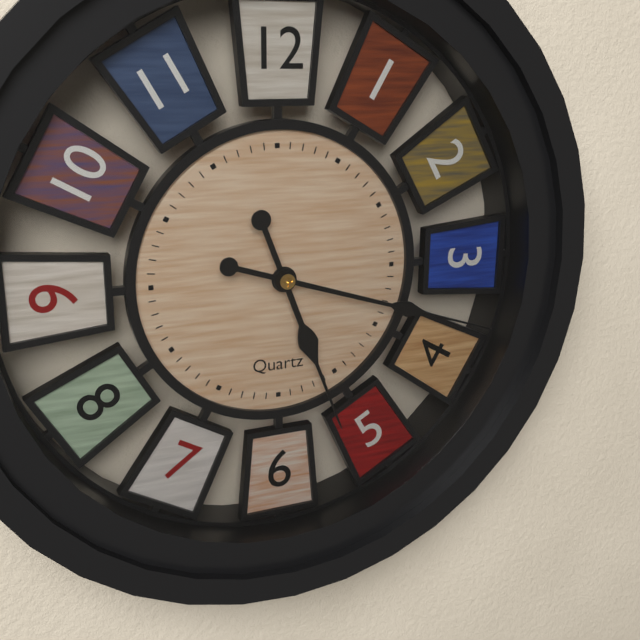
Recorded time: 5:18
